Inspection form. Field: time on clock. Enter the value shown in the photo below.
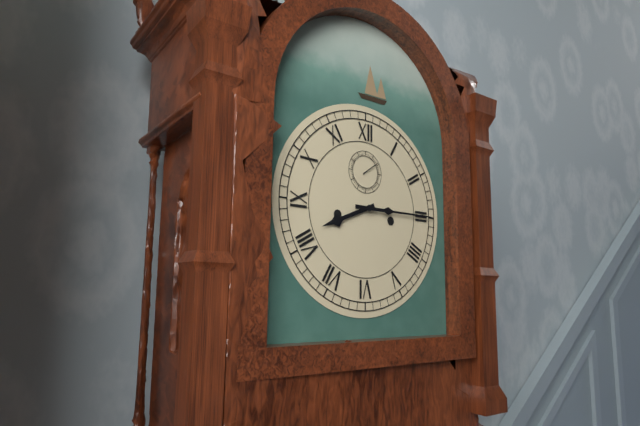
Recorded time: 8:15
